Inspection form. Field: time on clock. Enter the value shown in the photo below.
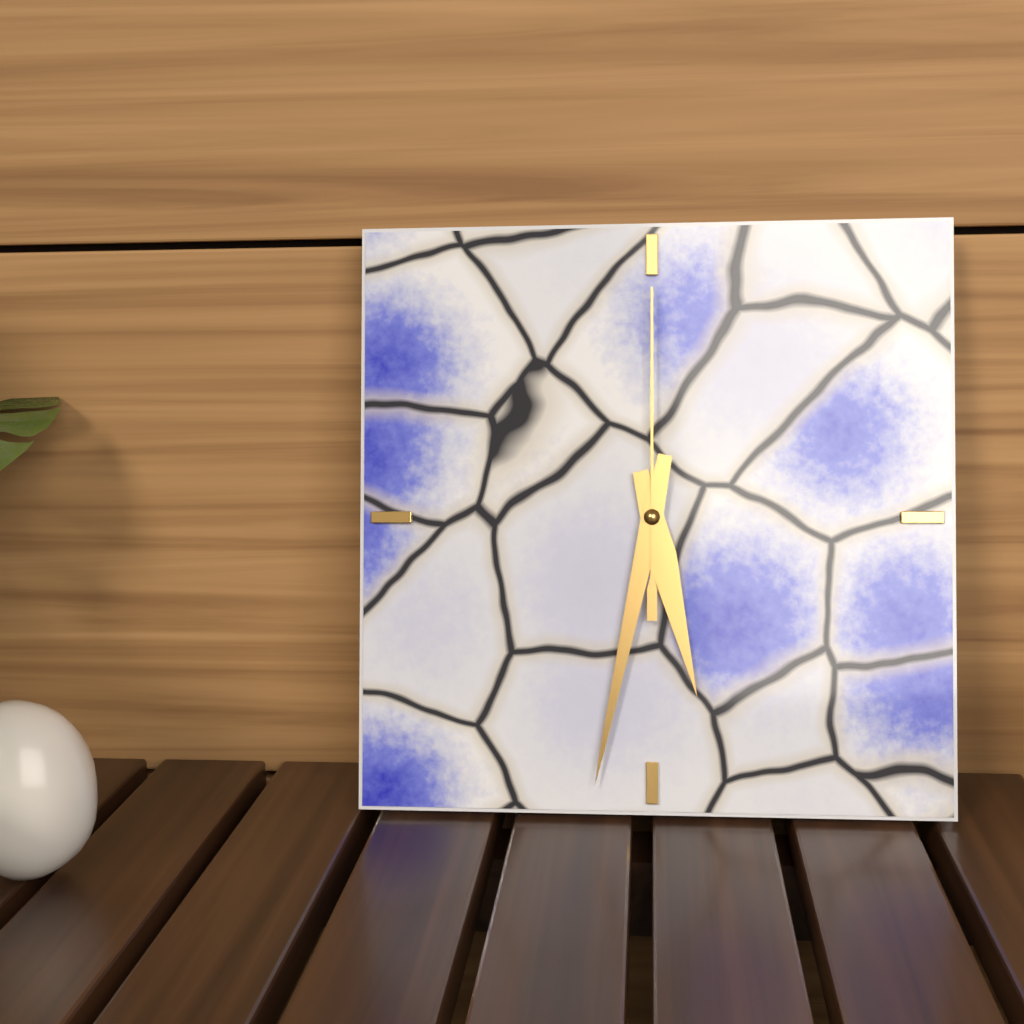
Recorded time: 5:32:00
